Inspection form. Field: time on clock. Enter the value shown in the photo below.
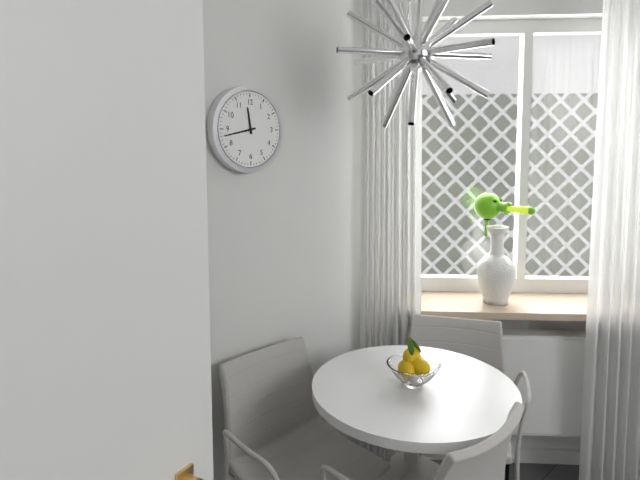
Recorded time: 11:43
